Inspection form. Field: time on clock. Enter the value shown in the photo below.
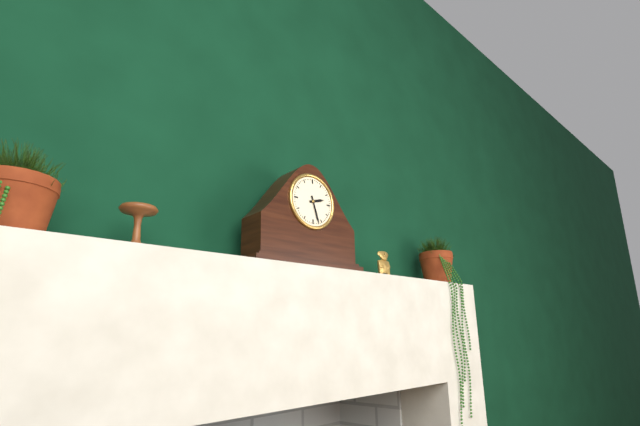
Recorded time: 2:27
